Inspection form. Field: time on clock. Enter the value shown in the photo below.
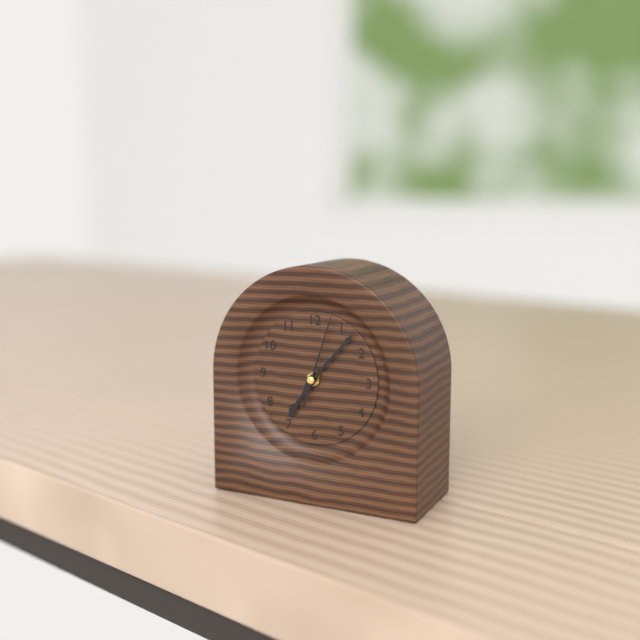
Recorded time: 7:07:03
